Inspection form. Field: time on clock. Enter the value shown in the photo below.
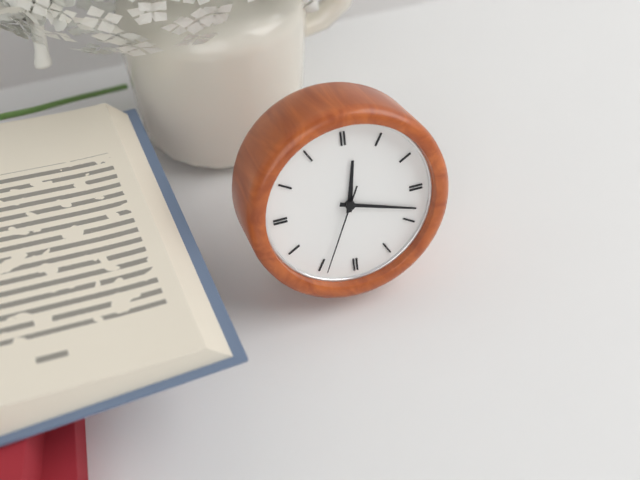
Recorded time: 12:18:34
